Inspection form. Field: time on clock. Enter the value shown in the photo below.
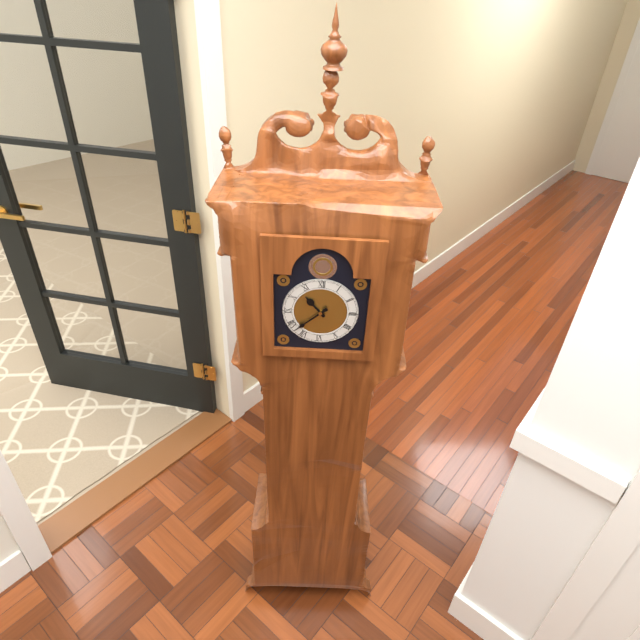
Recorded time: 10:38
